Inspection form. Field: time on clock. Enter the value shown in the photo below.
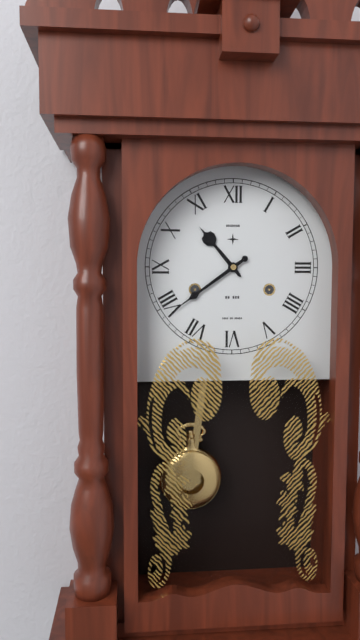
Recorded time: 10:39
